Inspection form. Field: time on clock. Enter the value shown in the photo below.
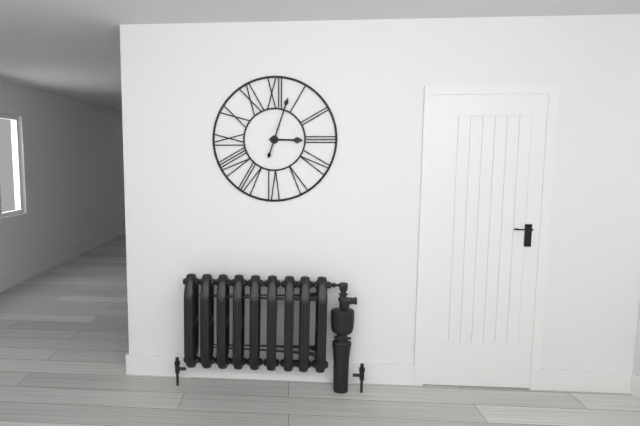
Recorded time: 3:03
